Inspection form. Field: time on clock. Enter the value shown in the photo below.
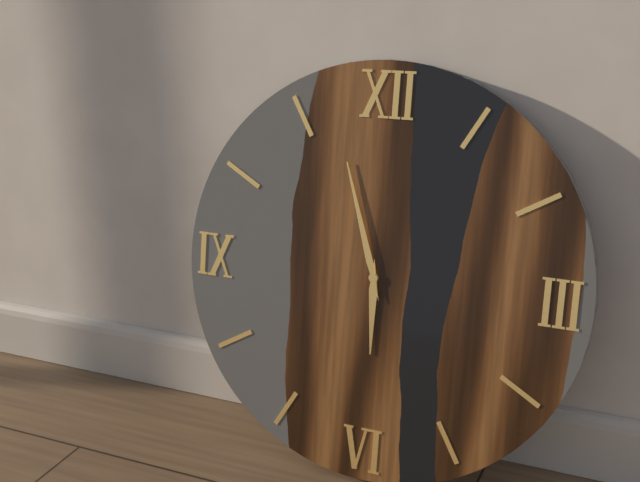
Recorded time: 5:57
